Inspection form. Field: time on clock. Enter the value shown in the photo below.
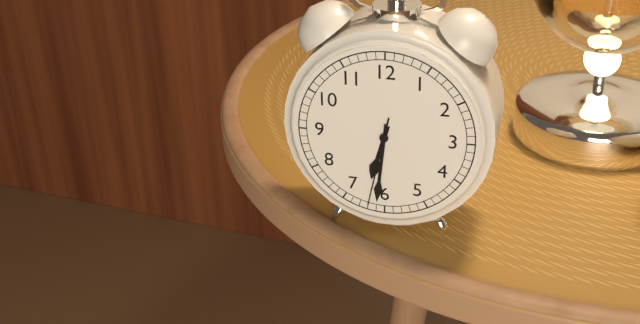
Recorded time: 6:31:32
